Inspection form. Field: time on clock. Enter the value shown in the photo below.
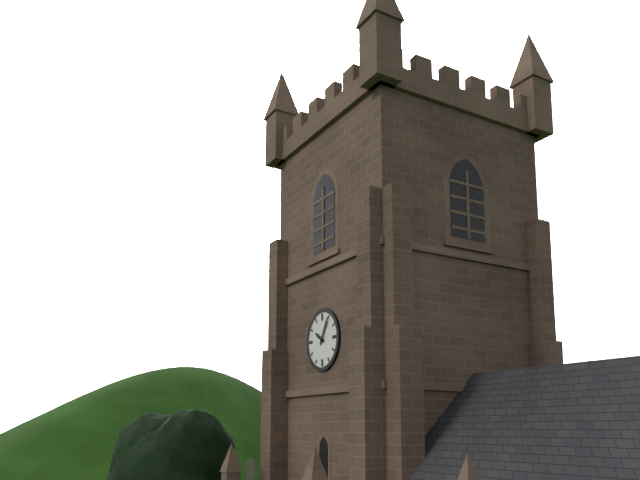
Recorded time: 10:05
